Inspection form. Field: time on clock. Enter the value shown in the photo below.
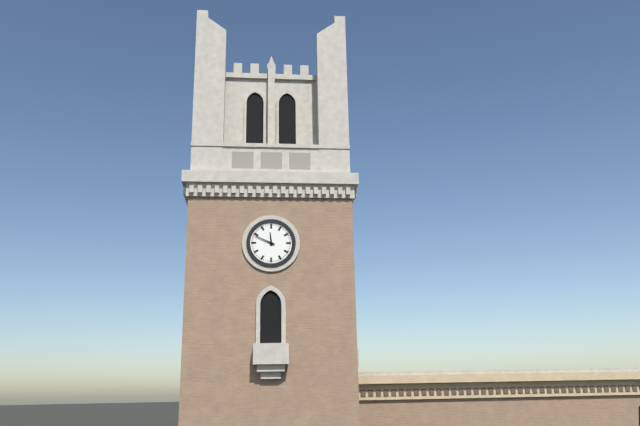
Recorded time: 11:49
